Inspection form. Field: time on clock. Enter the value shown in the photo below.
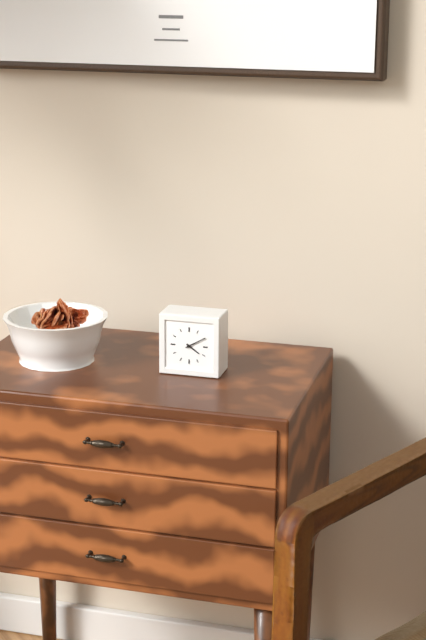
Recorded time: 4:10
